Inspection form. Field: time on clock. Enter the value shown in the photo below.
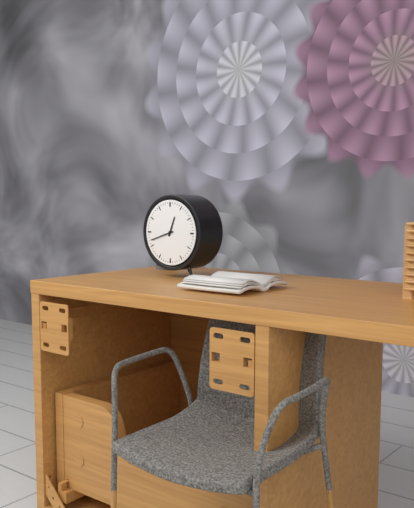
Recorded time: 12:42
